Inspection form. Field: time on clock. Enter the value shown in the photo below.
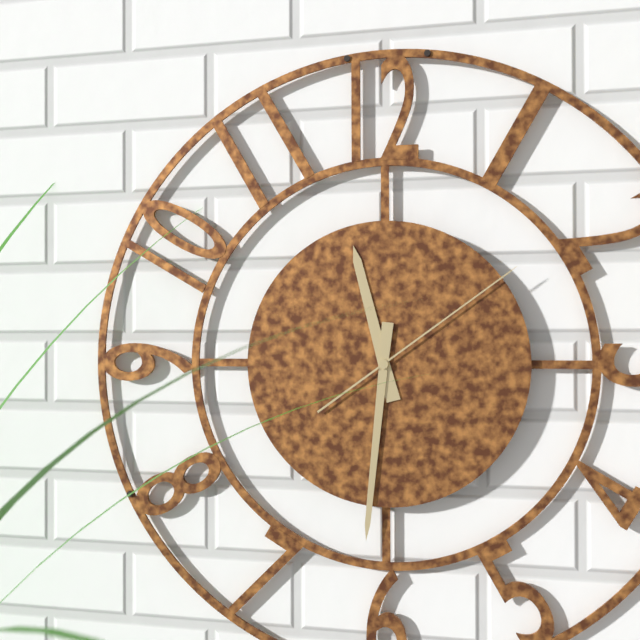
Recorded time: 11:31:09
